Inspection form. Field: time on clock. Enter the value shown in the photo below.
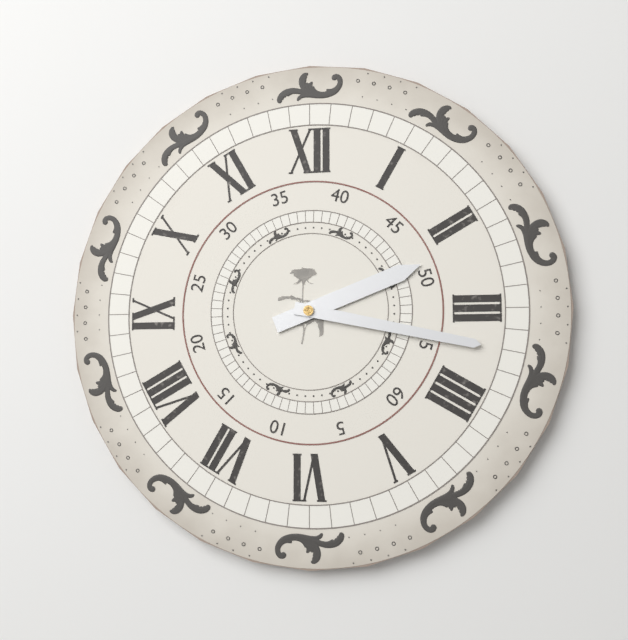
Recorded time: 2:17
